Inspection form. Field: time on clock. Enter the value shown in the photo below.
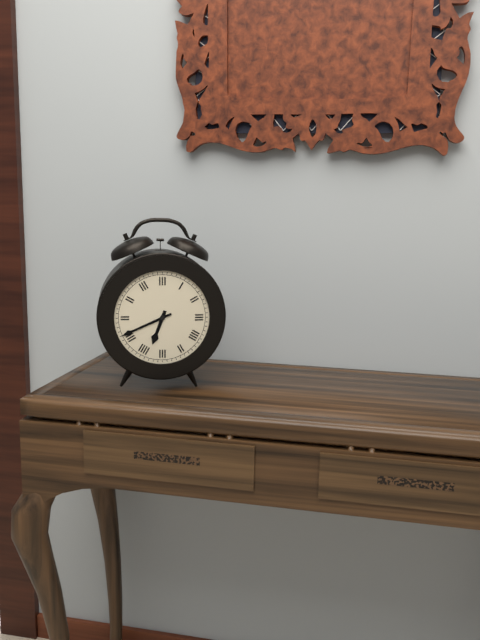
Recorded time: 6:41
